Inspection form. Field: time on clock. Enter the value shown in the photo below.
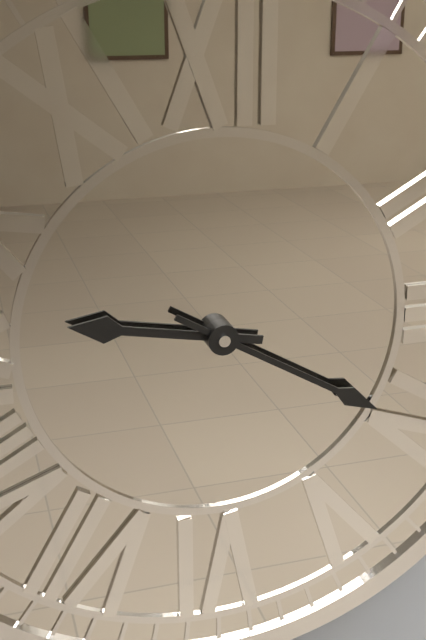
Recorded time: 9:20
